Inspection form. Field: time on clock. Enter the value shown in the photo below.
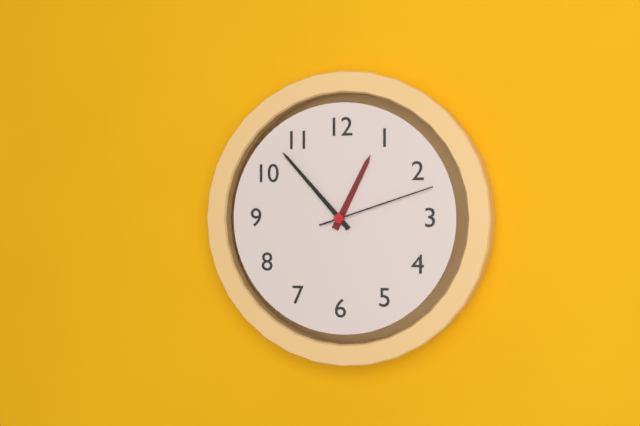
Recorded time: 12:53:12
